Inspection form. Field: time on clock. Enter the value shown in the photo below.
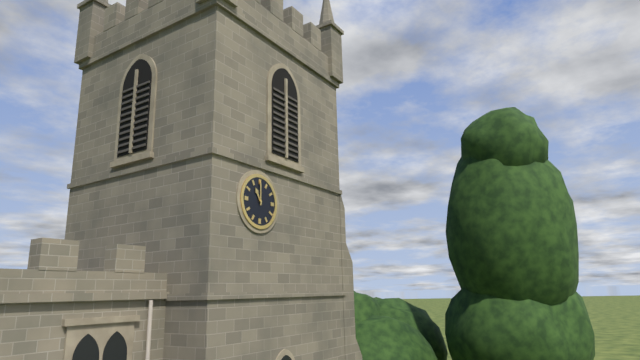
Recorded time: 11:00
